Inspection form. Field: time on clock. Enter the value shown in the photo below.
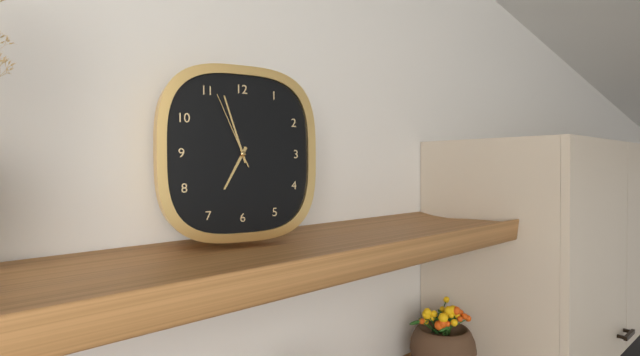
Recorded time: 6:57:56
